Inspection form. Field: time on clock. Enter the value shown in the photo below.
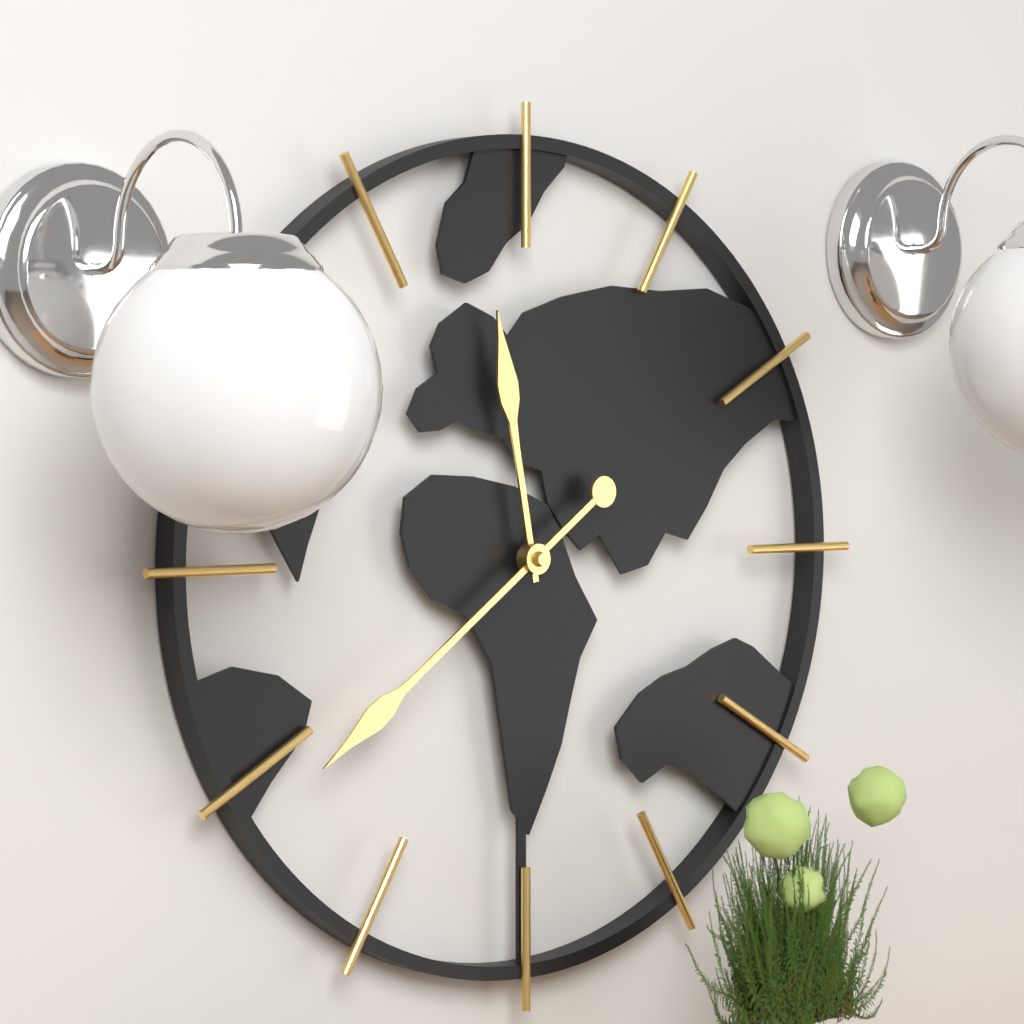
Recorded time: 11:39
